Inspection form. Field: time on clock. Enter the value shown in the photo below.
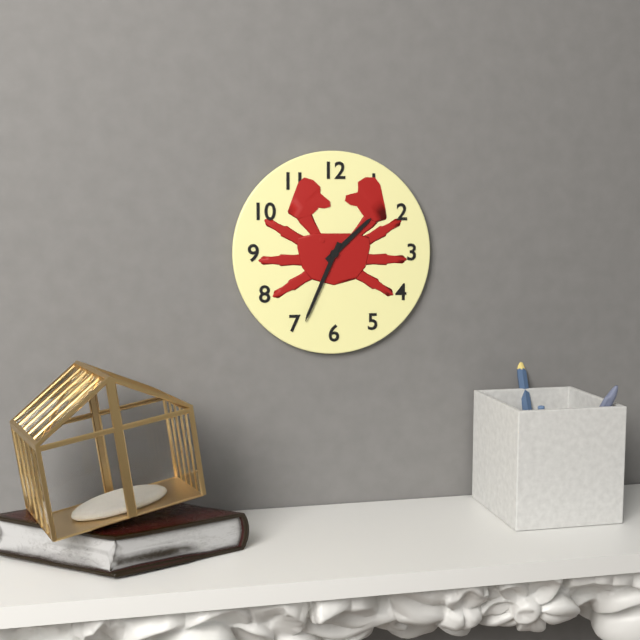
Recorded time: 1:34
